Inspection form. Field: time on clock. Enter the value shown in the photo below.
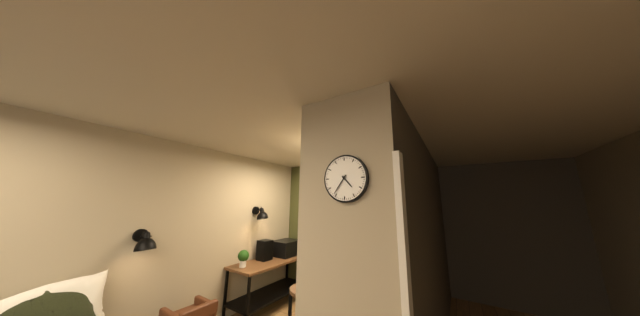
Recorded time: 4:36
